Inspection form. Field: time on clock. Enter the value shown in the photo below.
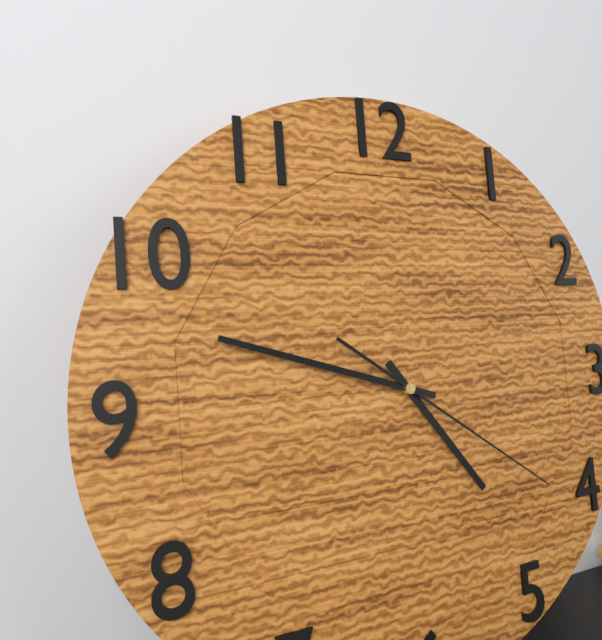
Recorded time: 4:48:21
